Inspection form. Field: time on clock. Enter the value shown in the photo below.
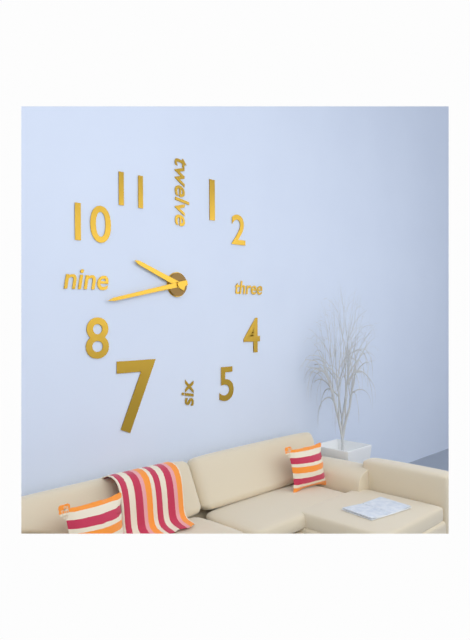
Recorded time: 9:43
